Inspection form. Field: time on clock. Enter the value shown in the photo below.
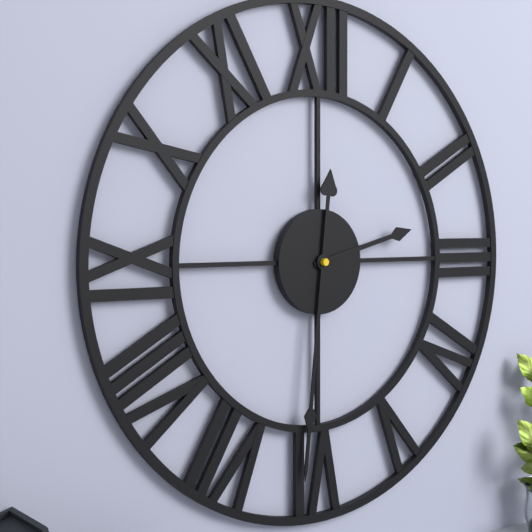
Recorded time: 2:31
